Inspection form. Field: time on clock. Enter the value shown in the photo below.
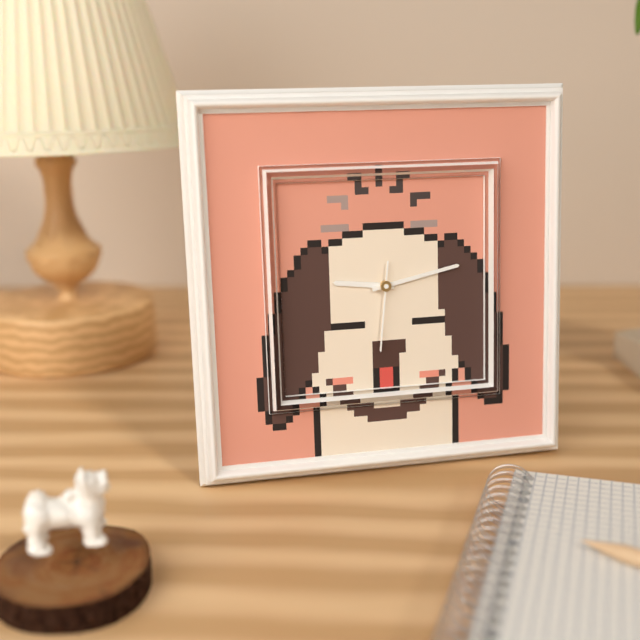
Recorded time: 9:13:31
